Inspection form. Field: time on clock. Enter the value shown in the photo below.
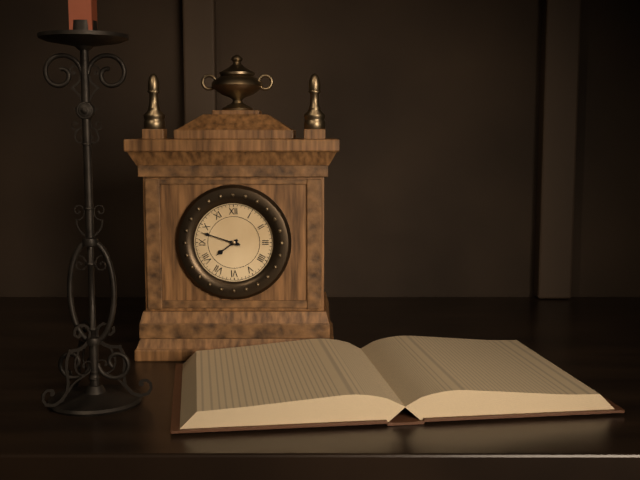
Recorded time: 7:48
